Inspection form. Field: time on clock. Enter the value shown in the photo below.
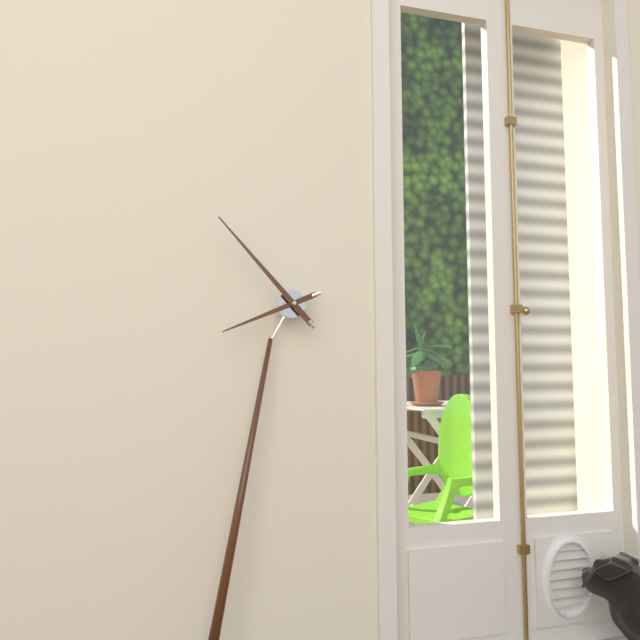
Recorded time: 7:51
